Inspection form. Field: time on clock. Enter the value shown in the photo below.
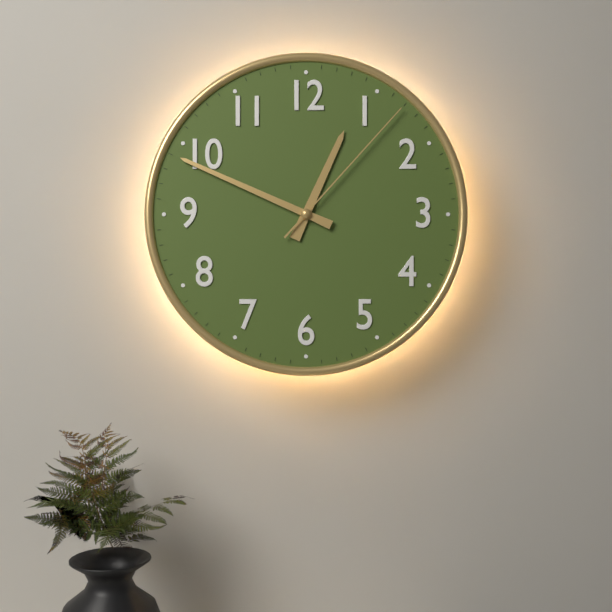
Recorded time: 12:49:07
